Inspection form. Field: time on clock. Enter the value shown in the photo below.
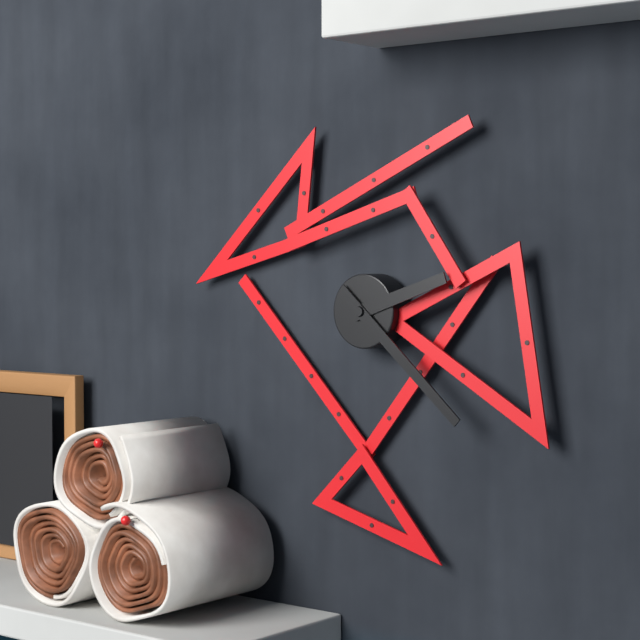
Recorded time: 2:22
